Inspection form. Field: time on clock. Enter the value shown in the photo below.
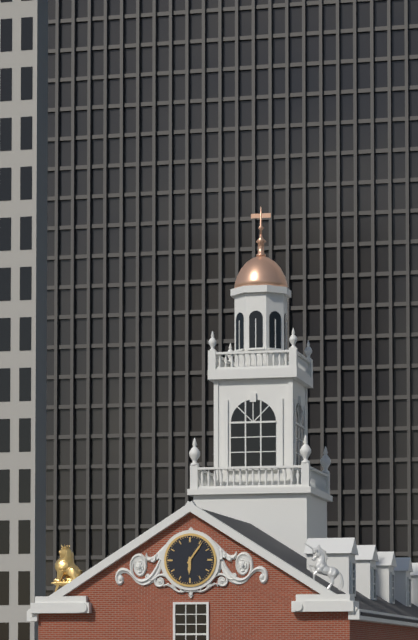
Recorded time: 6:06
